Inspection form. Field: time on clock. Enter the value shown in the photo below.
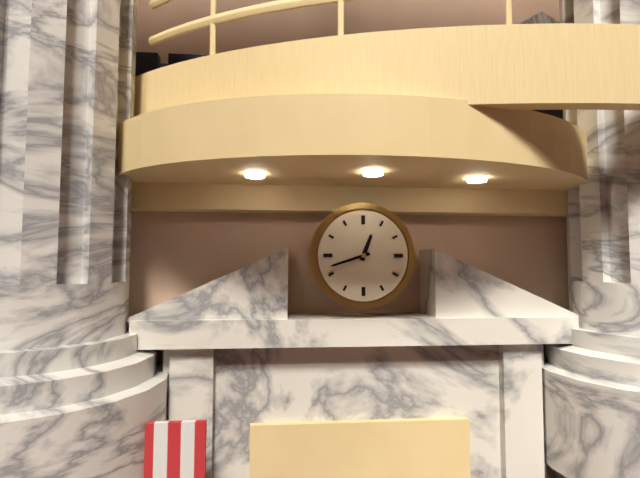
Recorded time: 12:42
